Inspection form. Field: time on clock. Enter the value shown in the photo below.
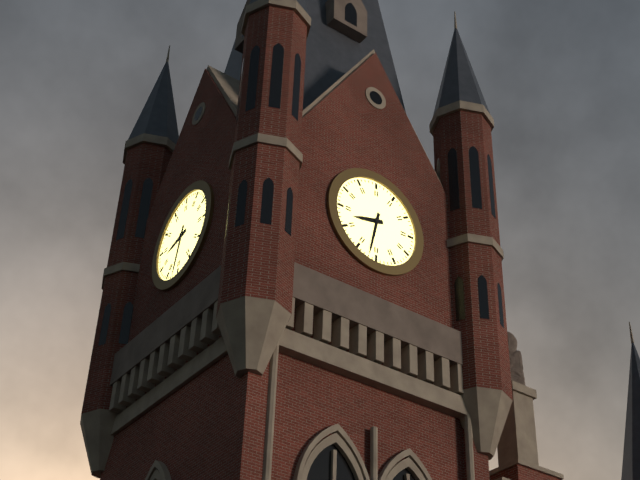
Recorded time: 8:32
